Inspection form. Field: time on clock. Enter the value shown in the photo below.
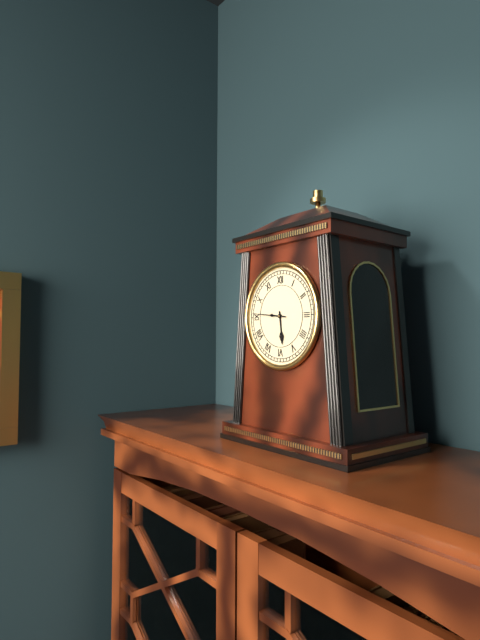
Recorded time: 5:46
